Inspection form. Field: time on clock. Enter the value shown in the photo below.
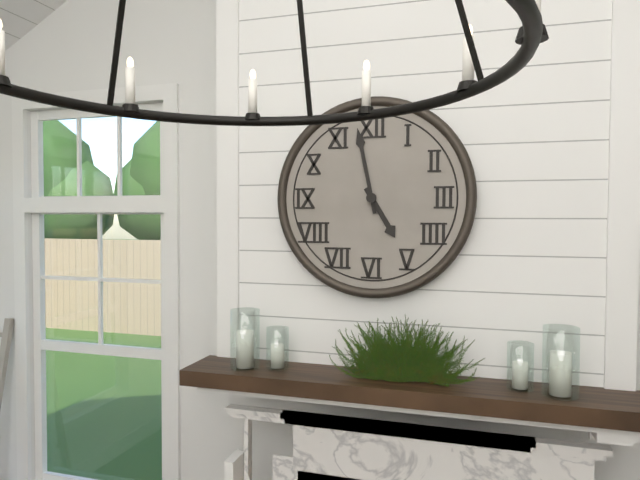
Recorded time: 4:58
